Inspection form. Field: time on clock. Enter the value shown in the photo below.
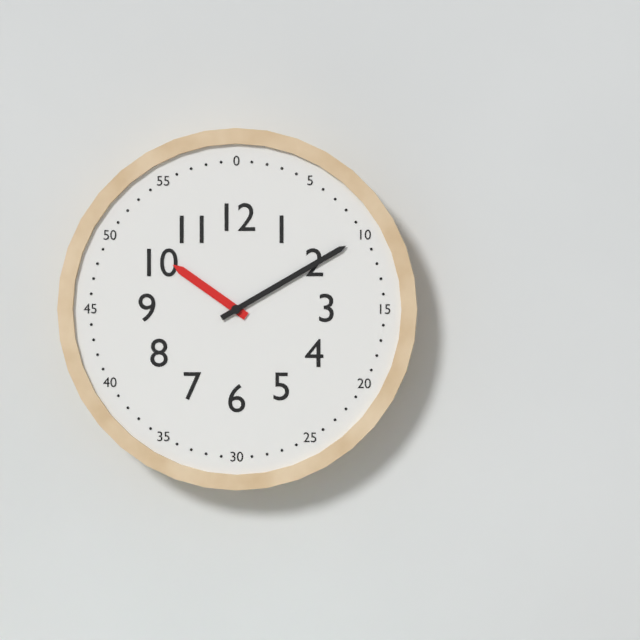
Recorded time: 10:10
